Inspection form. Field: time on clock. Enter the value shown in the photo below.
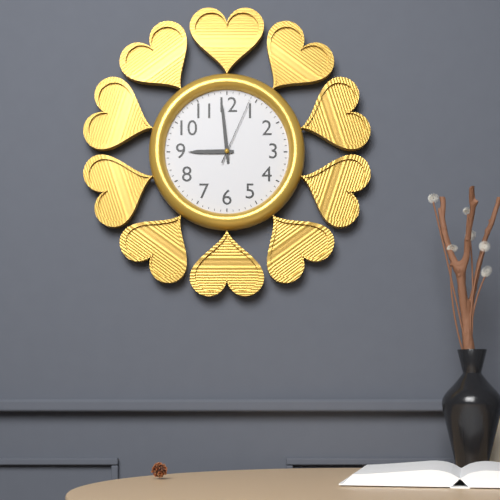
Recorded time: 8:59:04
